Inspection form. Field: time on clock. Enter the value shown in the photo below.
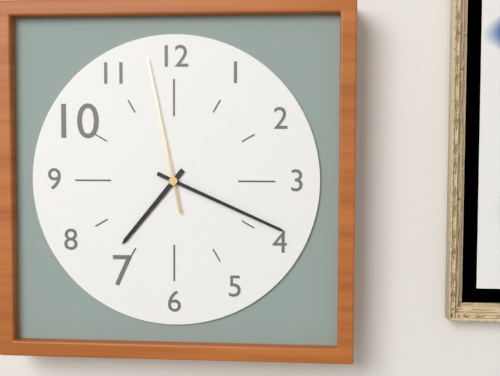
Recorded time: 7:19:58
